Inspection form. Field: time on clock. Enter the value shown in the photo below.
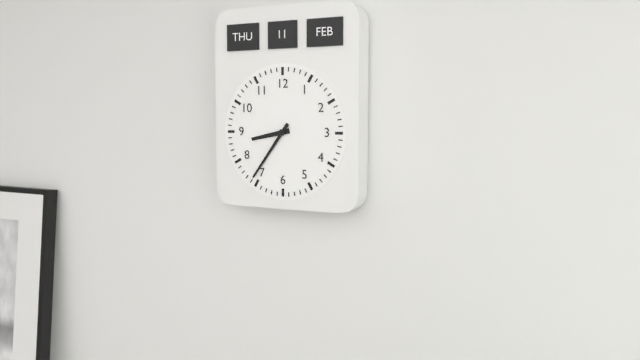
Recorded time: 8:36
